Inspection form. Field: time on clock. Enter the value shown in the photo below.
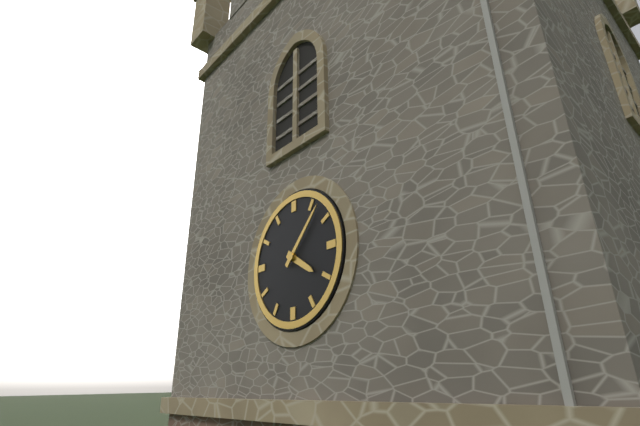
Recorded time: 4:07
